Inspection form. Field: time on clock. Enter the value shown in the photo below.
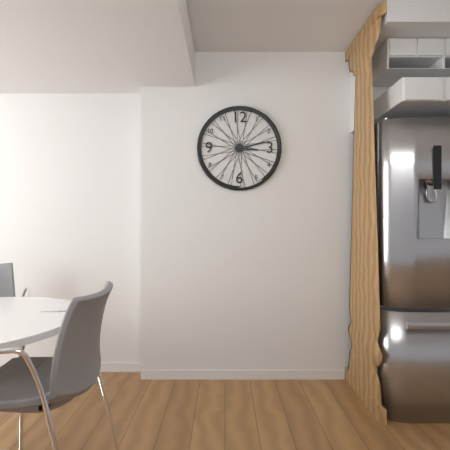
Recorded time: 3:13
